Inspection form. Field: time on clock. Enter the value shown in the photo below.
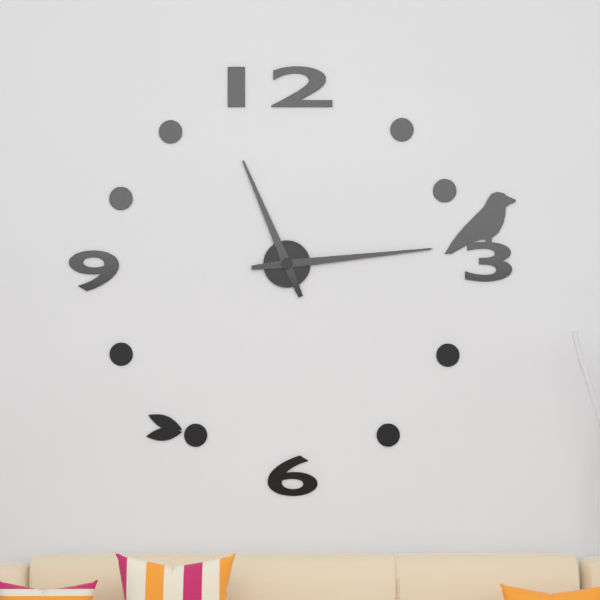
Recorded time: 11:14
